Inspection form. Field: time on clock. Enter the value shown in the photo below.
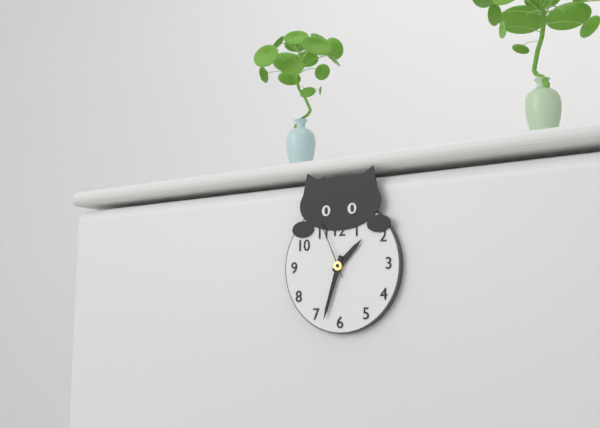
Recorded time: 1:33:56
